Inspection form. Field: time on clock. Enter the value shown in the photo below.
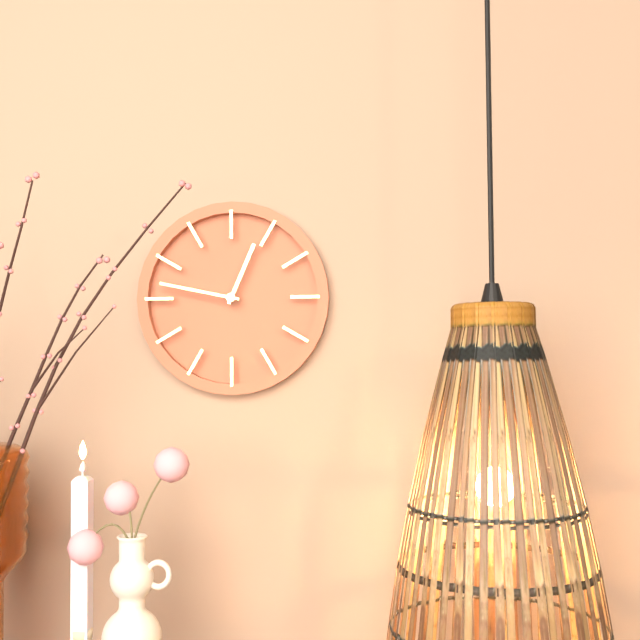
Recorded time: 12:47
